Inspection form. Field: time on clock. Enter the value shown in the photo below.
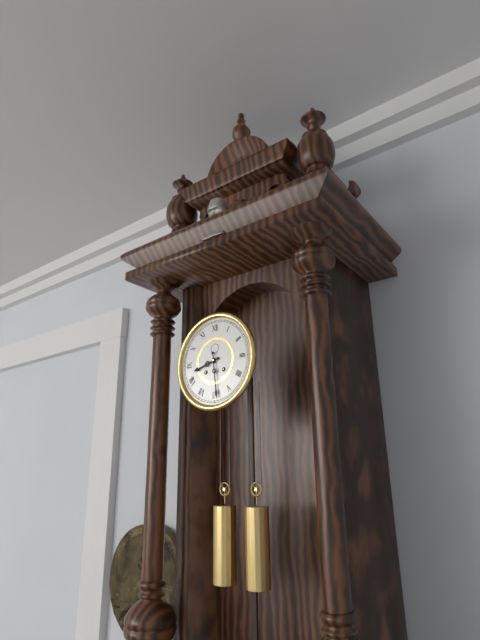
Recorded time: 8:29
